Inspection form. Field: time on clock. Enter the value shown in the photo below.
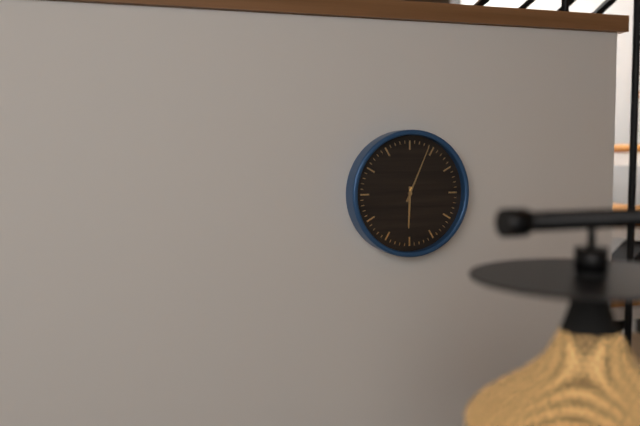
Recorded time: 6:04
